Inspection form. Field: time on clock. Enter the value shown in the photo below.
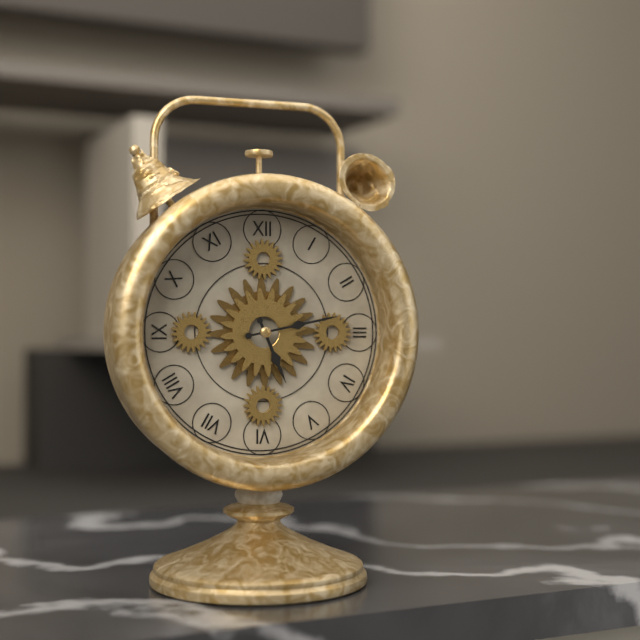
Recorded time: 5:13
